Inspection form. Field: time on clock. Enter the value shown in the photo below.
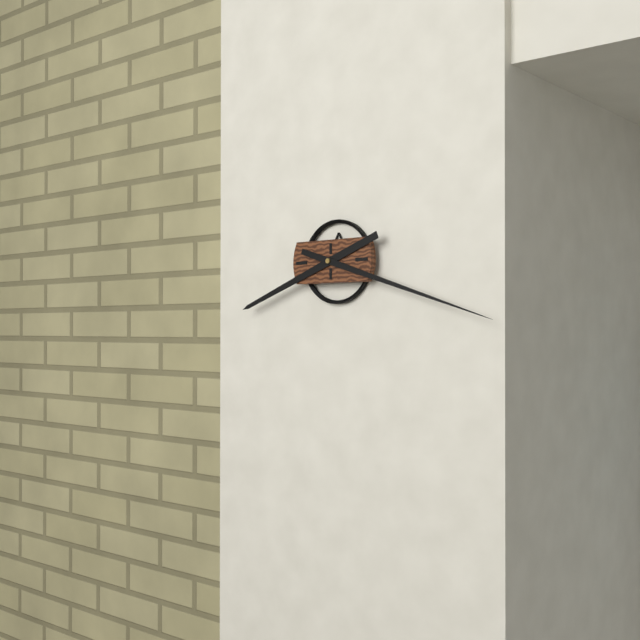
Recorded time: 8:18
